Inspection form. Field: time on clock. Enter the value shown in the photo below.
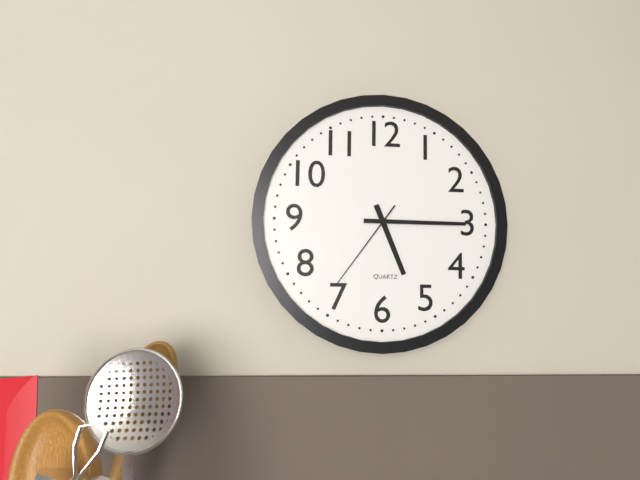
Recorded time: 5:15:36
